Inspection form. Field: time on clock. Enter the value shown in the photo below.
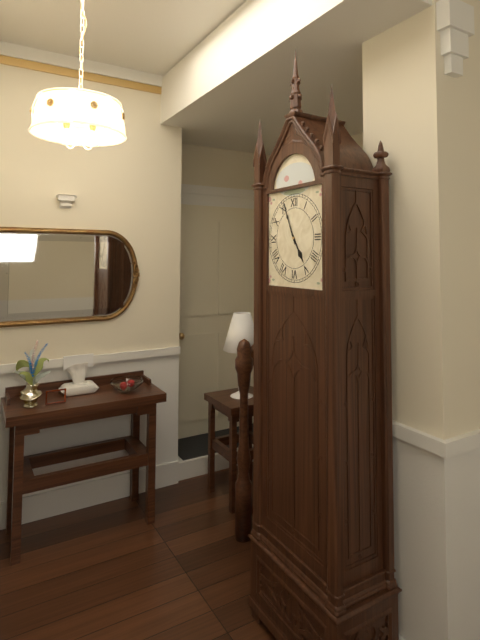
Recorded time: 4:56
